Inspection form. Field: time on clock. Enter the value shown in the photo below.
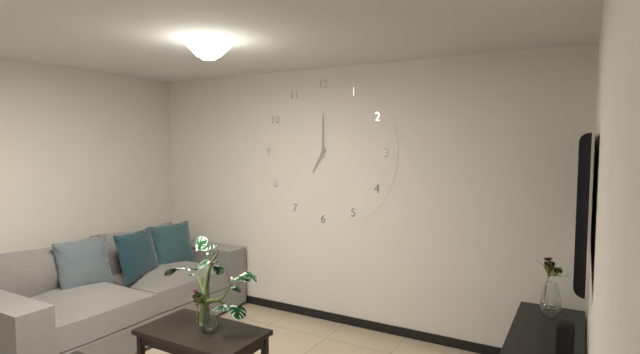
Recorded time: 7:00
